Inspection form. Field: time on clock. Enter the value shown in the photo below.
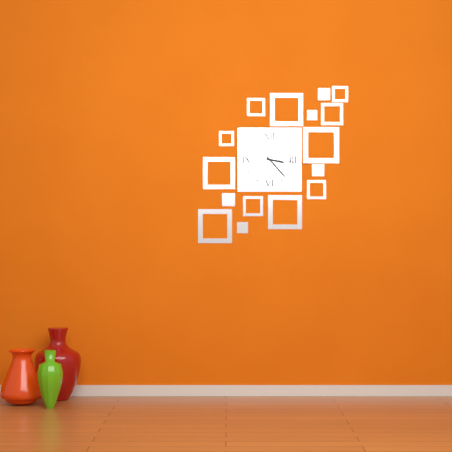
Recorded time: 3:23:16
